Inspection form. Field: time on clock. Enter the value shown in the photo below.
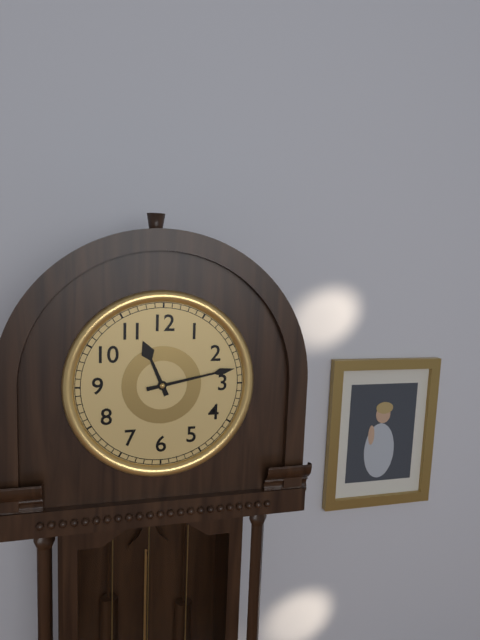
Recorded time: 11:13
